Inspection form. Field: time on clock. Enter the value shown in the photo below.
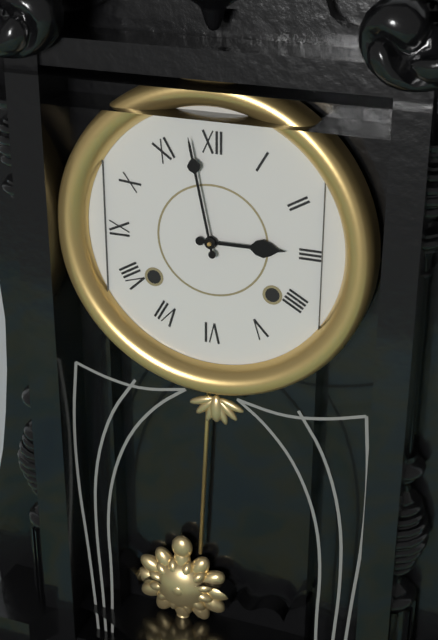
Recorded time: 2:58
